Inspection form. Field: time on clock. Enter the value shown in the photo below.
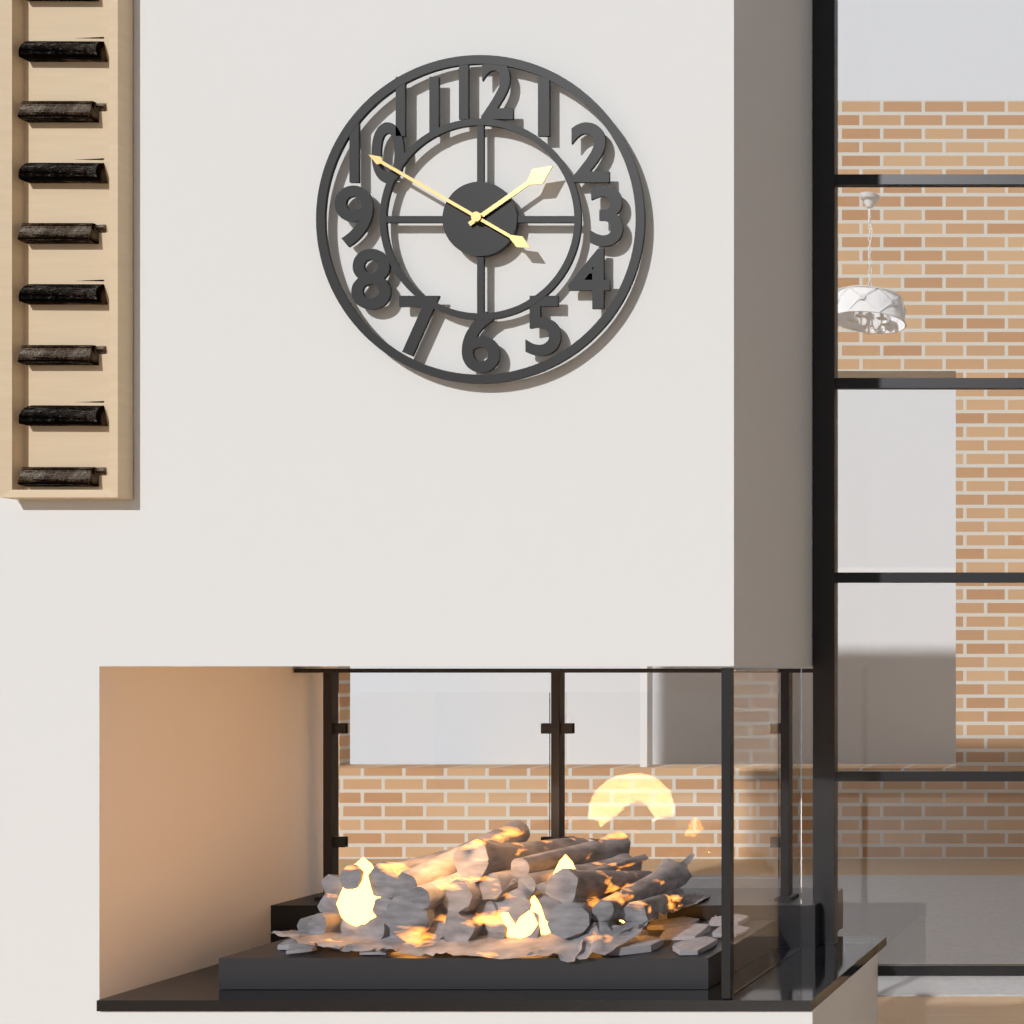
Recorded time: 1:50
